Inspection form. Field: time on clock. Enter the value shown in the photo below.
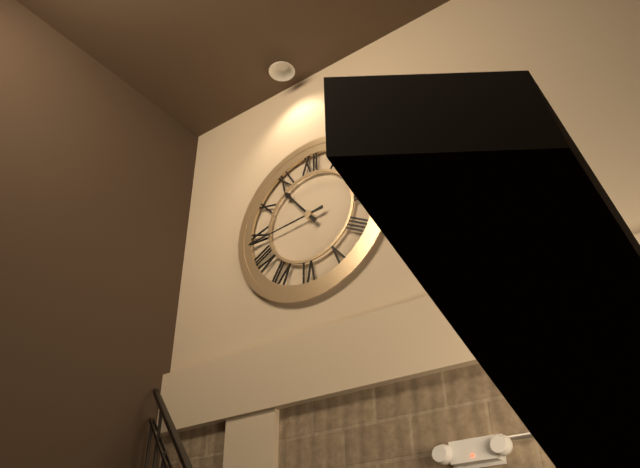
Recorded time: 10:44
